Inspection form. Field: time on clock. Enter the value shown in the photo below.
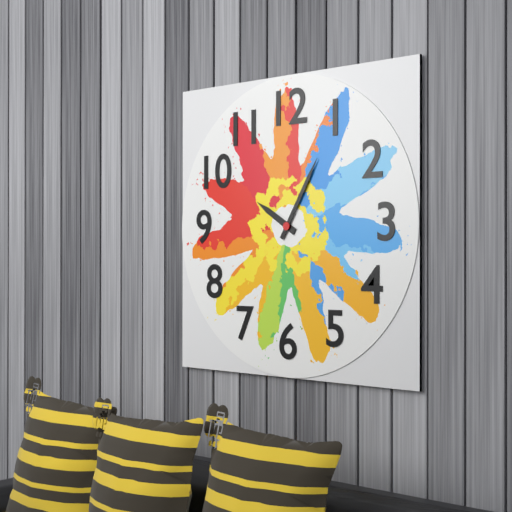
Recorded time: 10:05
